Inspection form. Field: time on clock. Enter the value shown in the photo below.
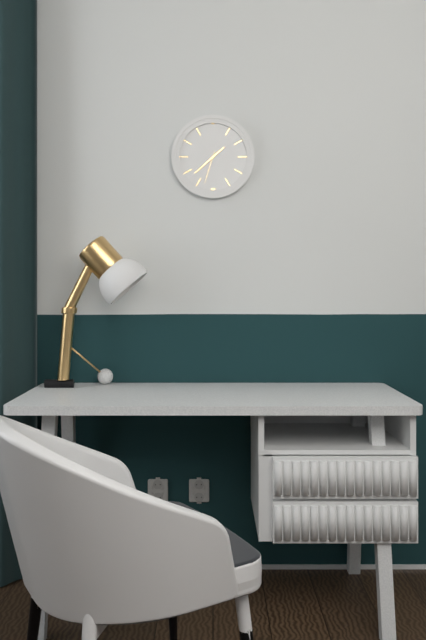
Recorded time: 1:38
